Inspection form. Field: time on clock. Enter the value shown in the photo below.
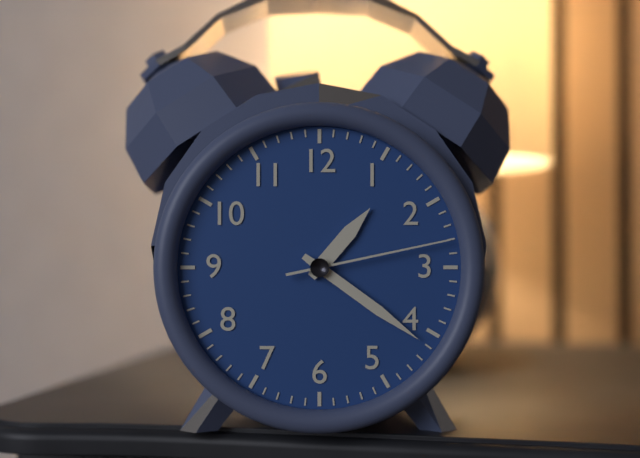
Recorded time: 1:21:13
